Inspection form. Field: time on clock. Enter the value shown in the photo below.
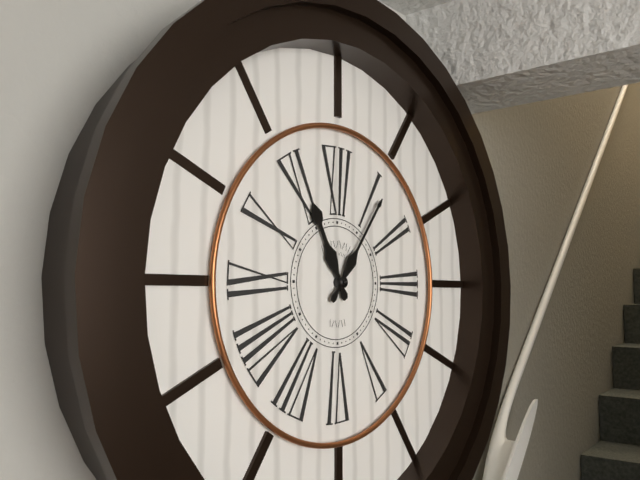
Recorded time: 11:06
